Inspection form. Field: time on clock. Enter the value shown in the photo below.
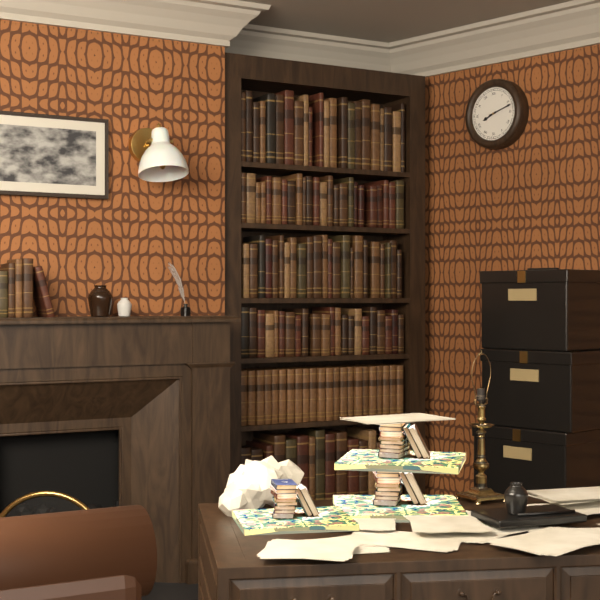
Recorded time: 8:12
